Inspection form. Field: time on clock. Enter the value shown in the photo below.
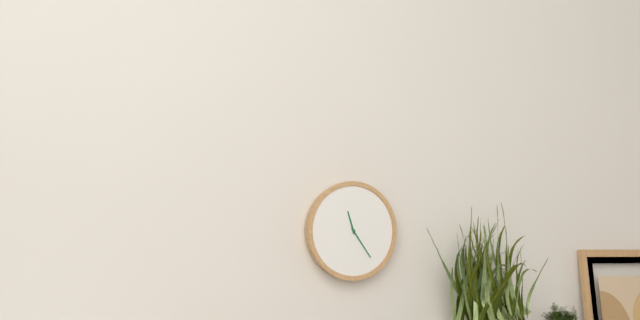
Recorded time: 11:24
